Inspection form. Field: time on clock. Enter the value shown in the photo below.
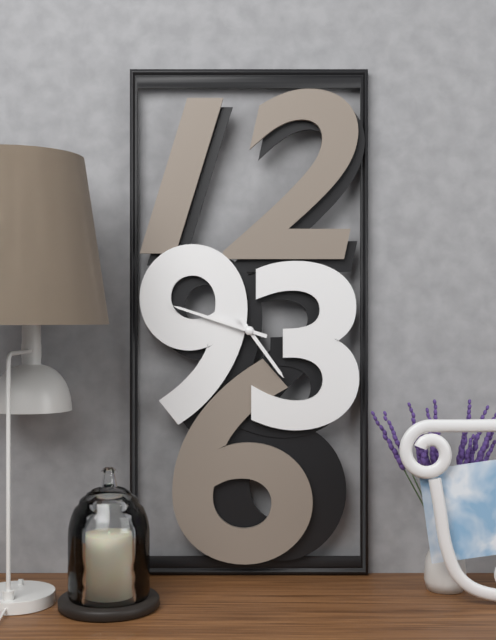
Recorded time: 4:48
